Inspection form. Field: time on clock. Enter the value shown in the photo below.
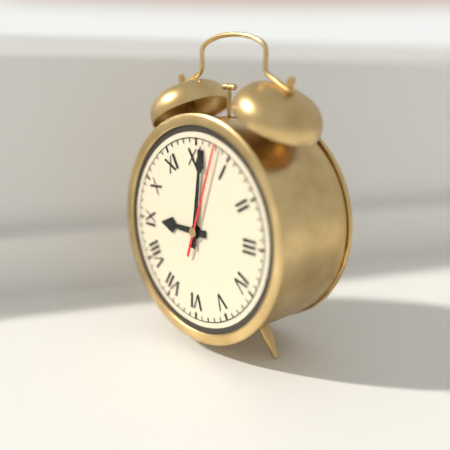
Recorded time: 9:01:03
